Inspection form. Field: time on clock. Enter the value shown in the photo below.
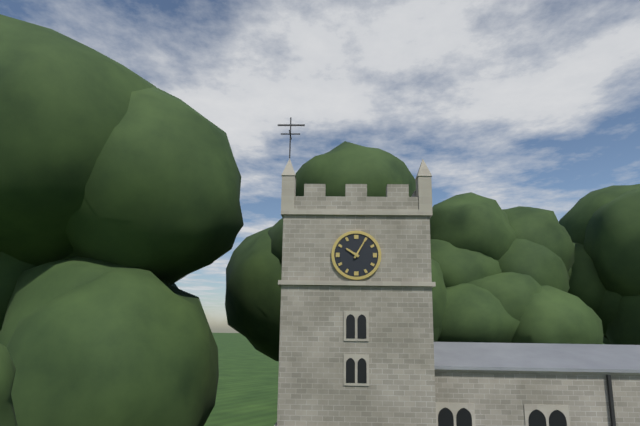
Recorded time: 10:05
